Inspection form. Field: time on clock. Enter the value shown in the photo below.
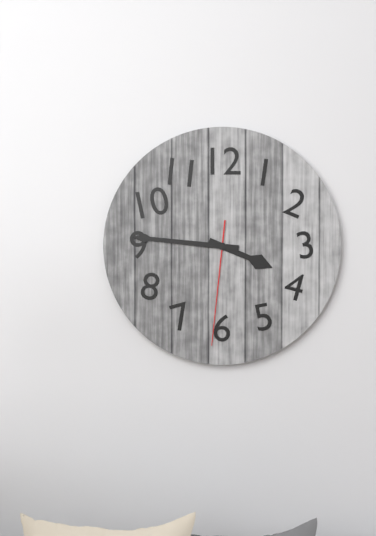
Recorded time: 3:46:31
